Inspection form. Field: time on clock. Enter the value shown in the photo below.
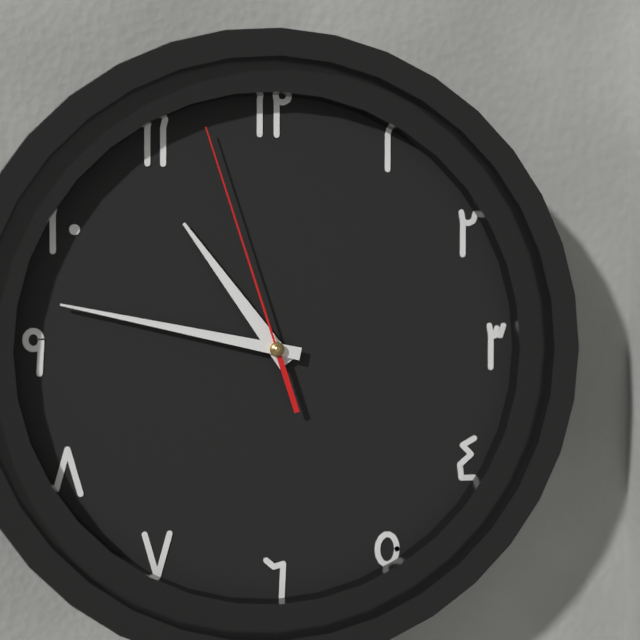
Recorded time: 10:47:57
